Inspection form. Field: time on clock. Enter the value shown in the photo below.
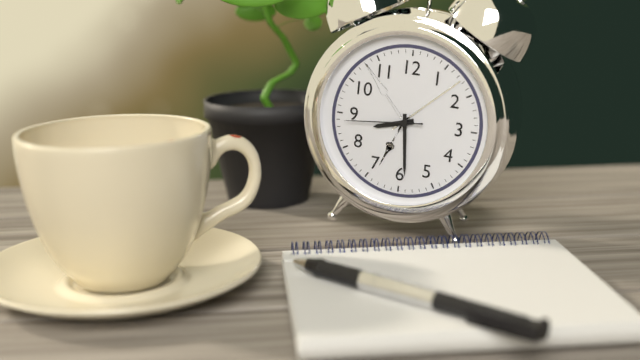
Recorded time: 8:29:44
